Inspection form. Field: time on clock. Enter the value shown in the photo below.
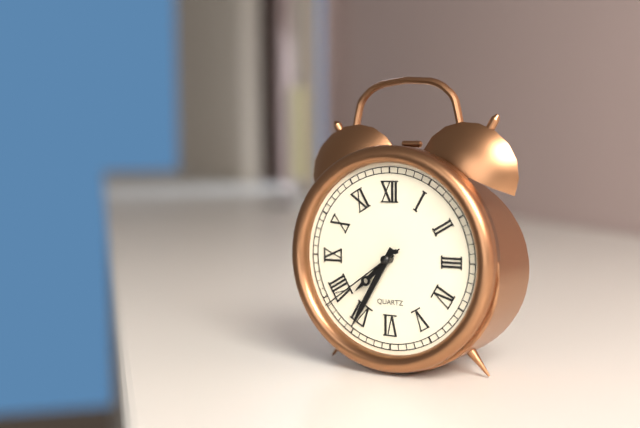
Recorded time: 7:35:39
